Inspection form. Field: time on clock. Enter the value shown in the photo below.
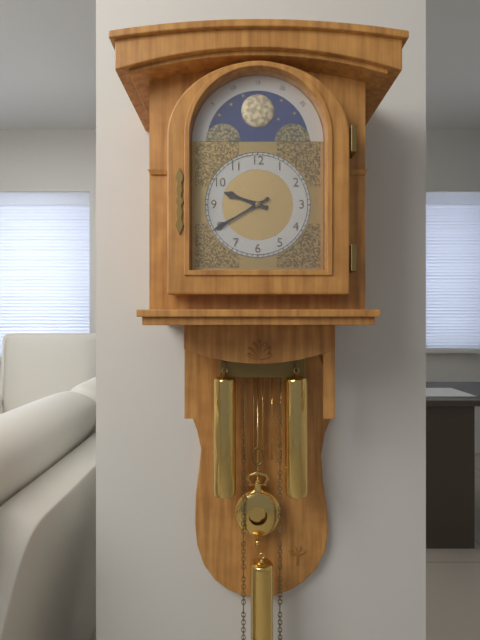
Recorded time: 9:40
